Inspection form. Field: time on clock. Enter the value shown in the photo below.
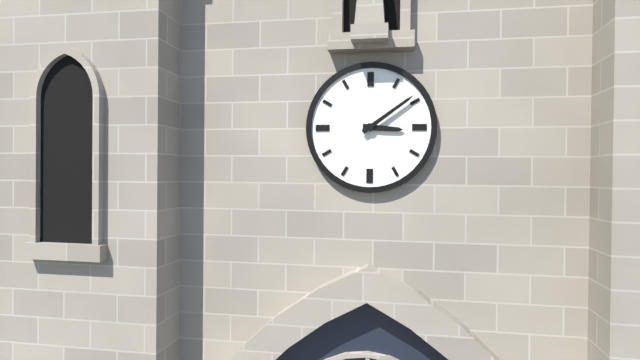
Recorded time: 3:09
